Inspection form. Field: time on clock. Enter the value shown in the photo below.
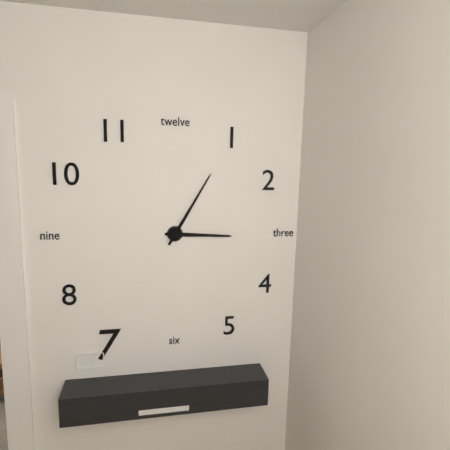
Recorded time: 3:05
